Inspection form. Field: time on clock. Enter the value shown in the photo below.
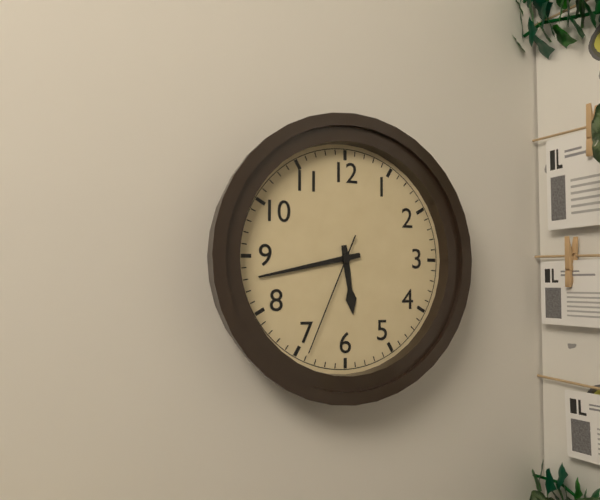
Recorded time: 5:43:34
